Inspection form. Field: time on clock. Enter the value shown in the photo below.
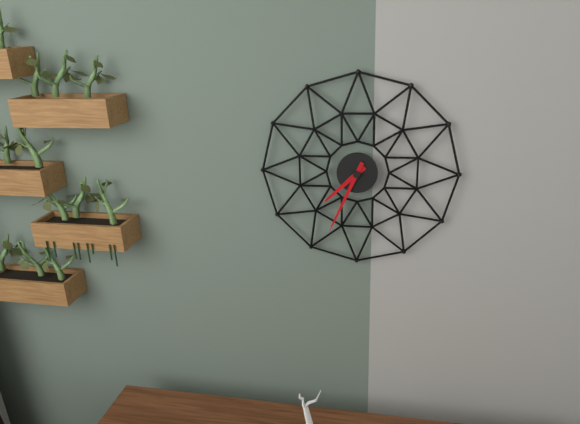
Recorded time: 7:34
